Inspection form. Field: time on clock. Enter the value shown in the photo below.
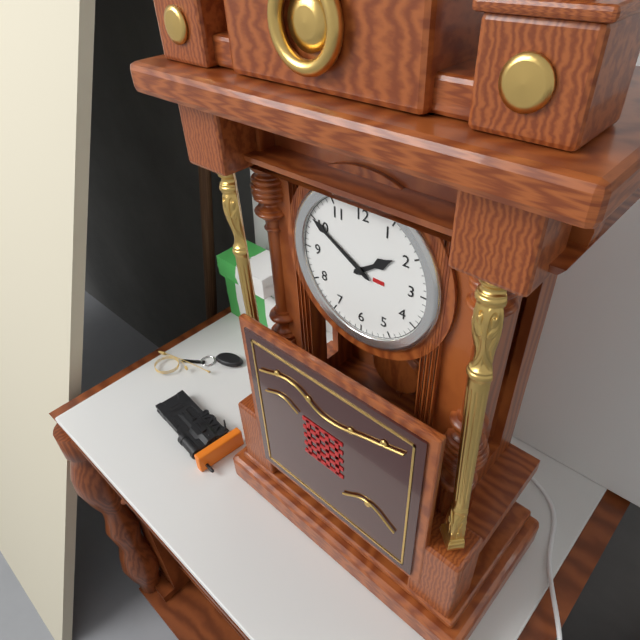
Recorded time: 1:50
